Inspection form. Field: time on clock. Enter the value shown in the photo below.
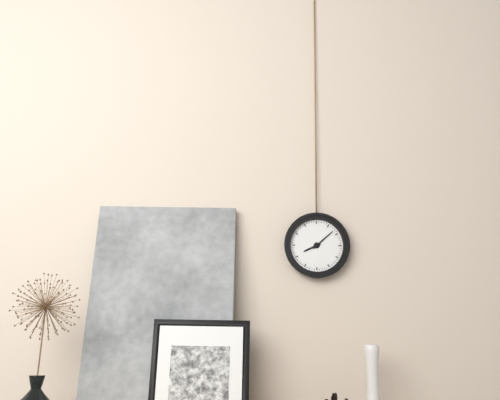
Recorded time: 8:08
